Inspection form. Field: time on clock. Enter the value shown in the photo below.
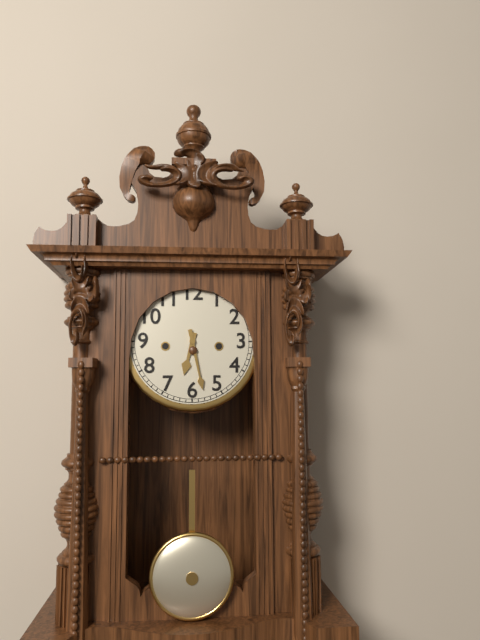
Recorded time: 6:28
